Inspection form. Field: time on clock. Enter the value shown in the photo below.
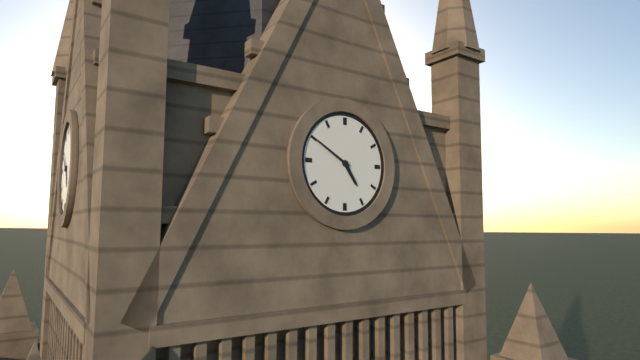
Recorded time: 4:50
